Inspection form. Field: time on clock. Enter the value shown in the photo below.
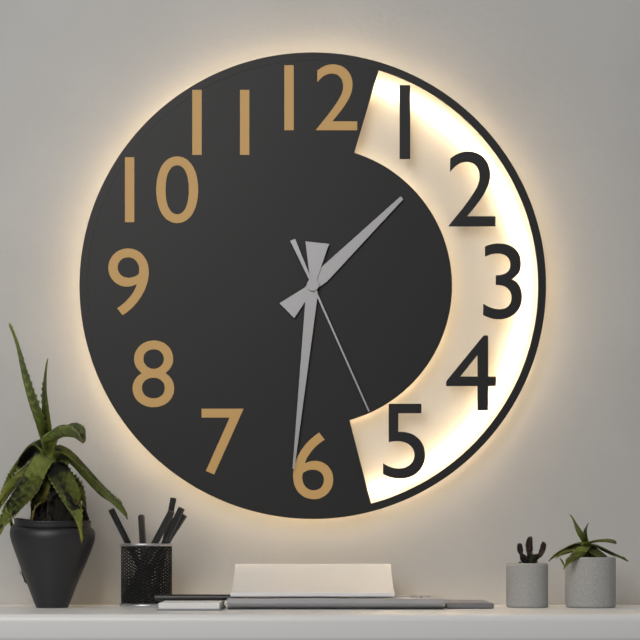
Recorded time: 1:31:26
